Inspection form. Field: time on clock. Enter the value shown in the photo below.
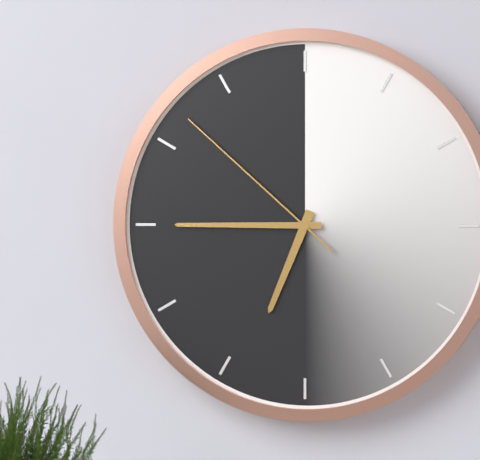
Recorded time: 6:45:52
